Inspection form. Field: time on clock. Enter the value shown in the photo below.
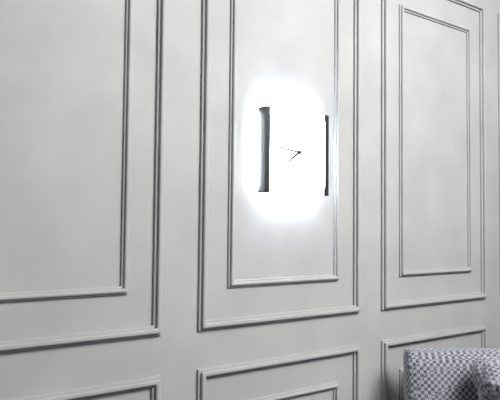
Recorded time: 7:46
